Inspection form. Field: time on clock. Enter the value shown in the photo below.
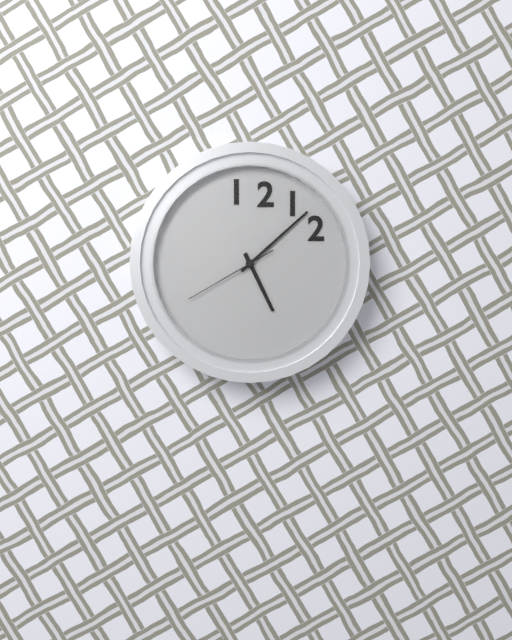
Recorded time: 5:08:40
